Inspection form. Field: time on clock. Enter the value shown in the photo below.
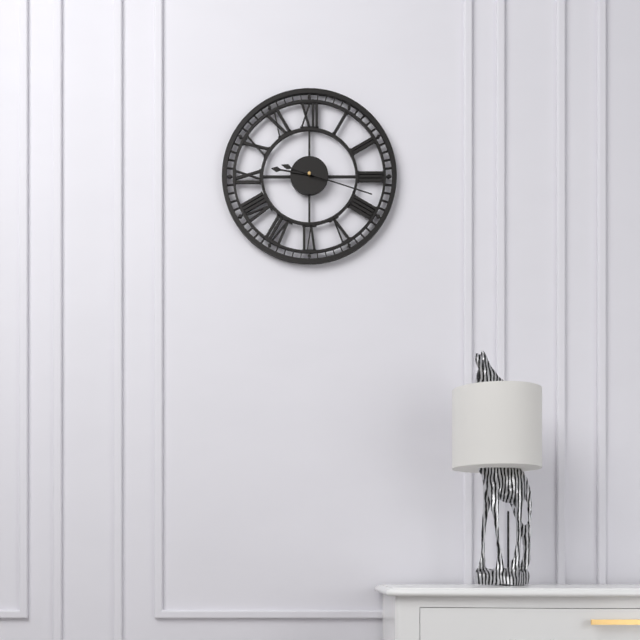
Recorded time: 9:18
